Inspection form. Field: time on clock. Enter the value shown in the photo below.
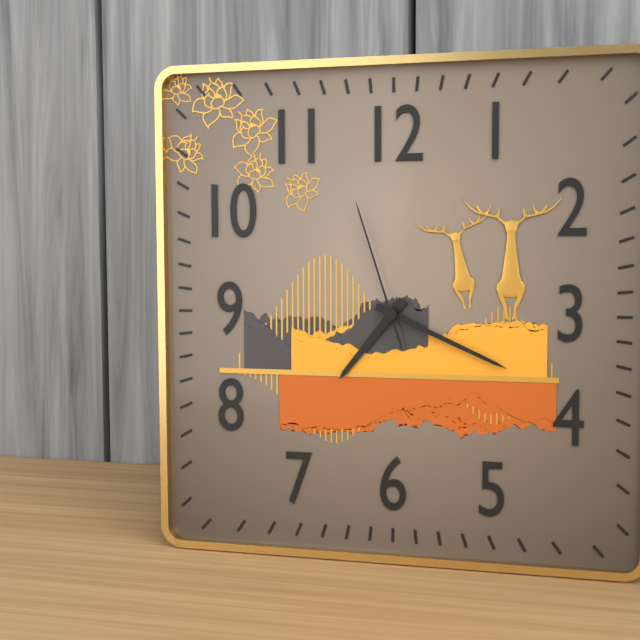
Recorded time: 7:19:57
